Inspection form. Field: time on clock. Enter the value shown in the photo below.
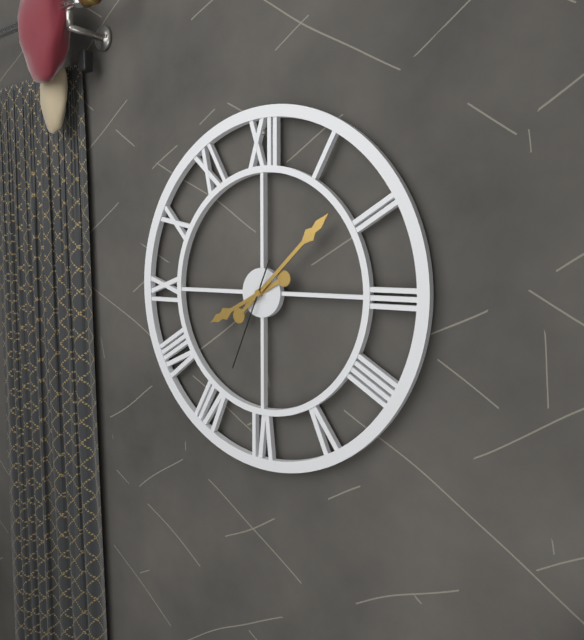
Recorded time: 8:08:34
